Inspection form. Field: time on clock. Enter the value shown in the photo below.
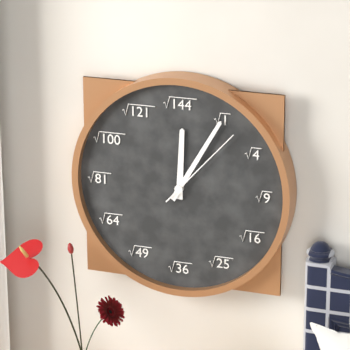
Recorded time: 12:05:07
